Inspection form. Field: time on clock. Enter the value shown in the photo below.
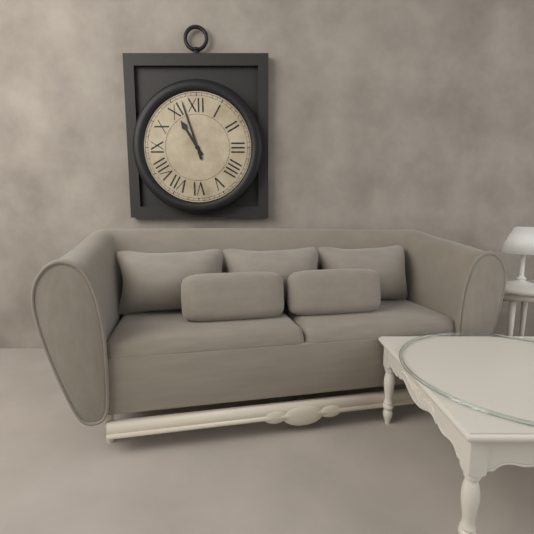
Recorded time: 10:57
